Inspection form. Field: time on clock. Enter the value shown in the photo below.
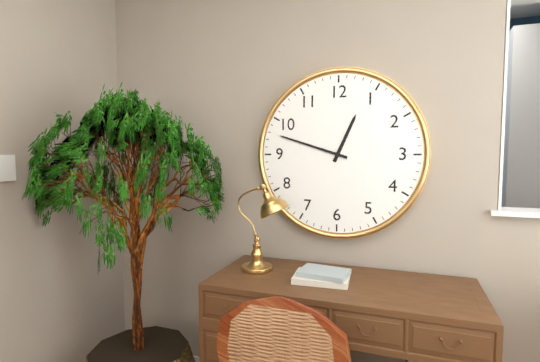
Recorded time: 12:48
